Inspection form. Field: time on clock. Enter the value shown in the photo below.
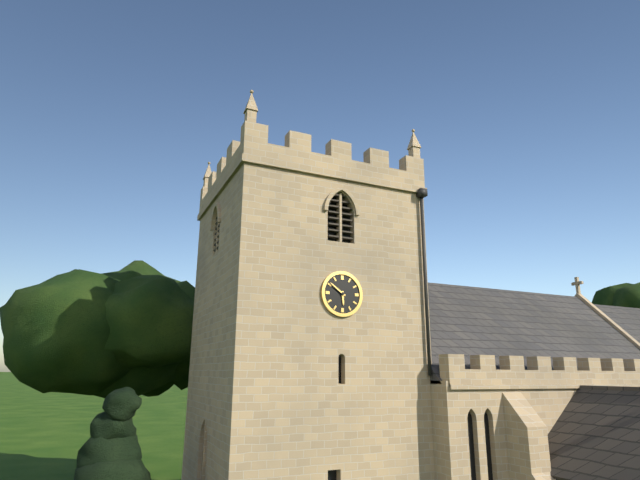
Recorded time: 5:51
